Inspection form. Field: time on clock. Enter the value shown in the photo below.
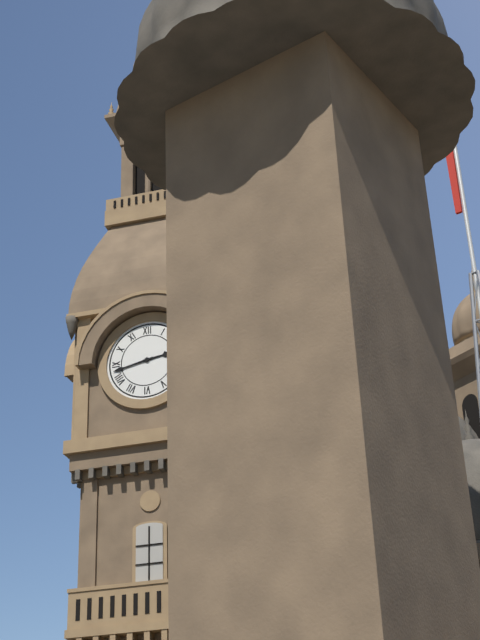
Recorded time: 2:43
